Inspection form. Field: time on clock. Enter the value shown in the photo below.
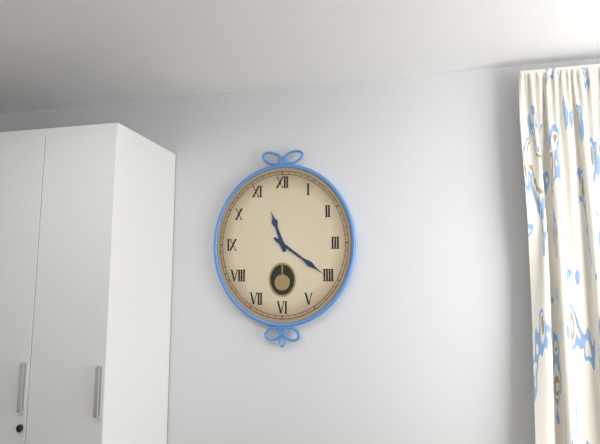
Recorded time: 11:21
